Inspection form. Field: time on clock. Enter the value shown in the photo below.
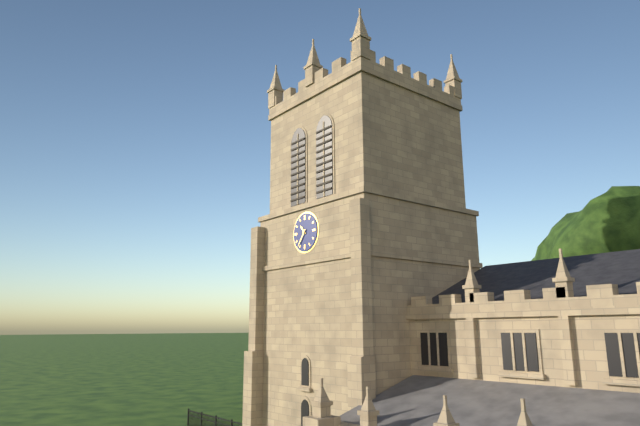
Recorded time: 10:36
